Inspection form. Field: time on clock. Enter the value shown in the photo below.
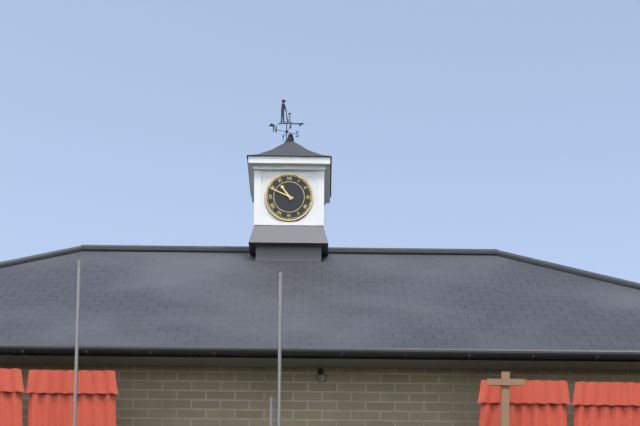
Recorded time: 10:49
